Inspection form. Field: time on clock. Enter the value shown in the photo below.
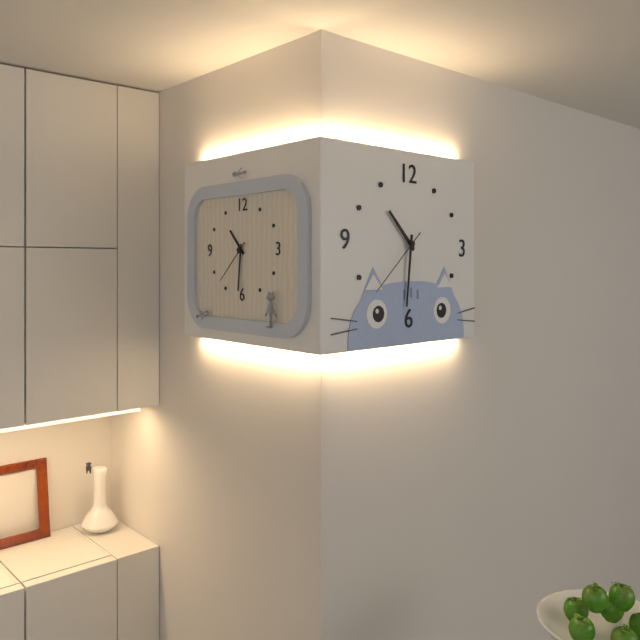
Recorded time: 10:31:38
